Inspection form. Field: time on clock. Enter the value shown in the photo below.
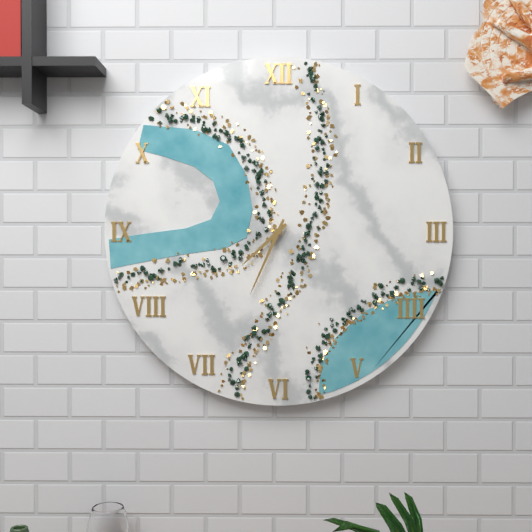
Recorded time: 7:34
